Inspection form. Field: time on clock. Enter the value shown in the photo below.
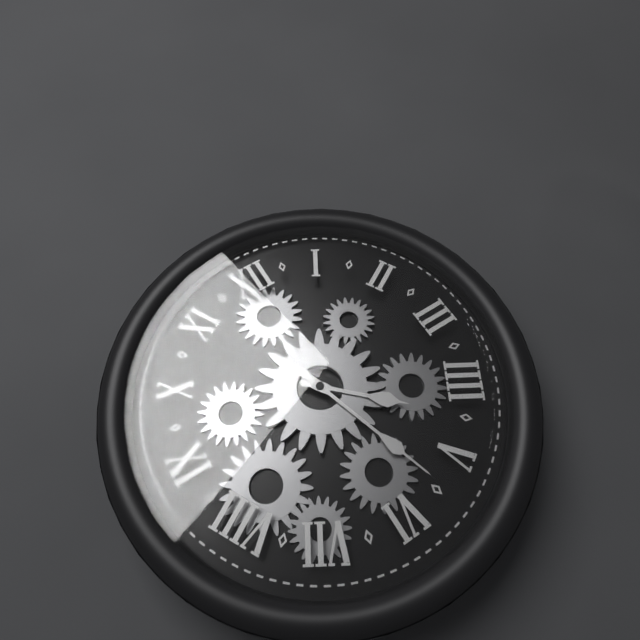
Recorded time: 4:27
